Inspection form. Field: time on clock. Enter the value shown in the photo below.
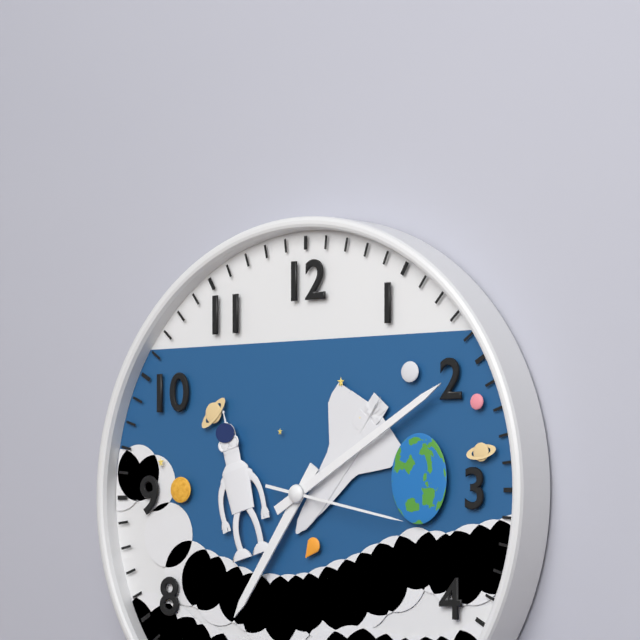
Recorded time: 7:10:17
